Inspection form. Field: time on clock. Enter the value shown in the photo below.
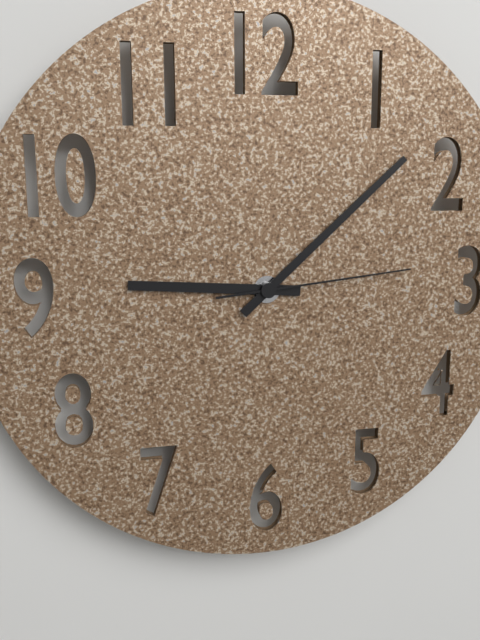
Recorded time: 9:08:14
